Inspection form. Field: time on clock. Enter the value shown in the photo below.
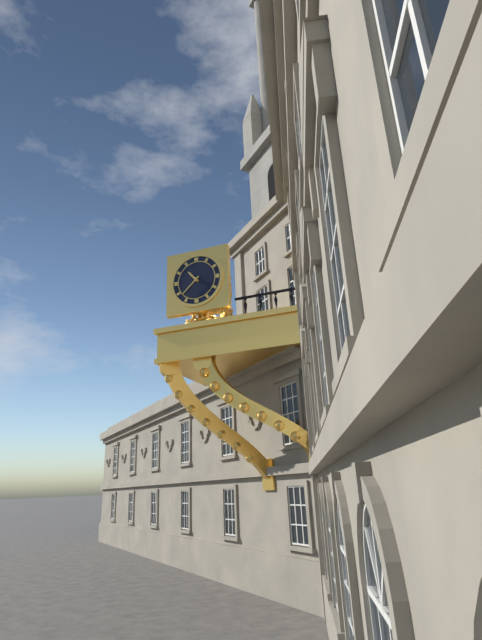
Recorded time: 10:38
